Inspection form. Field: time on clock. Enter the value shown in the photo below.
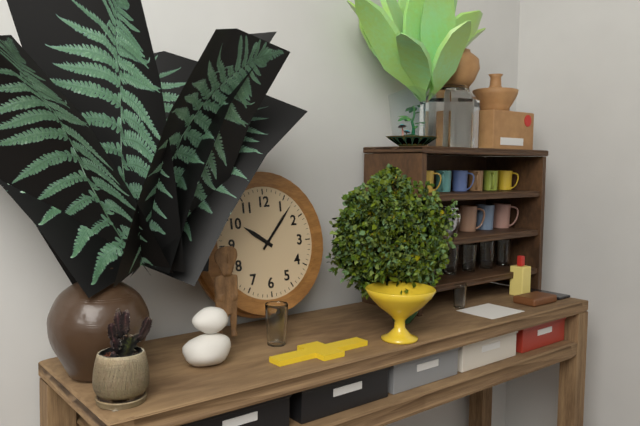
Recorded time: 10:07
